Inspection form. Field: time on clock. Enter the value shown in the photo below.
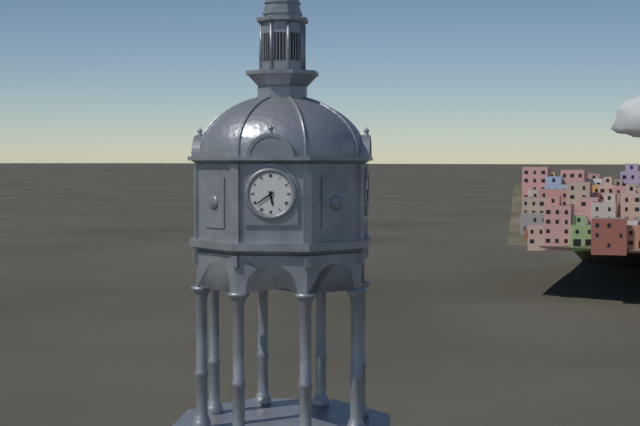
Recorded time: 5:39
